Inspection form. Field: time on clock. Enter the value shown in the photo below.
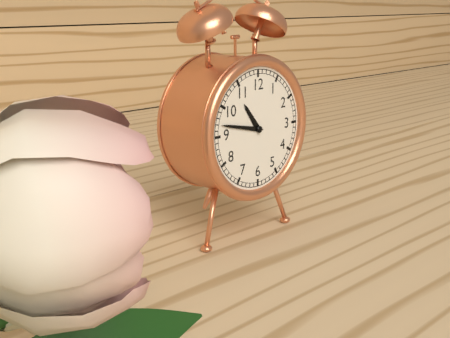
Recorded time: 10:47
